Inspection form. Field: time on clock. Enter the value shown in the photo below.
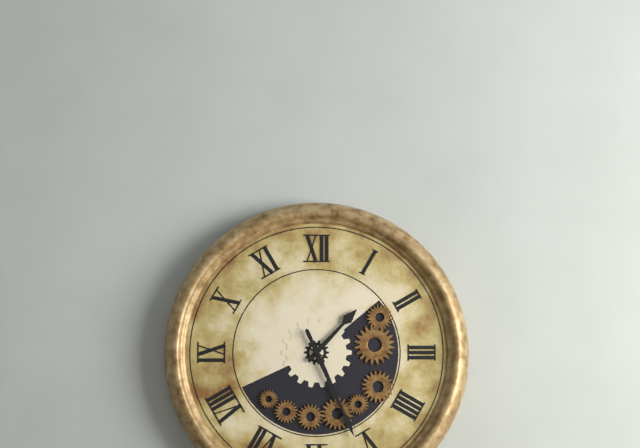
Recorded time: 1:26
